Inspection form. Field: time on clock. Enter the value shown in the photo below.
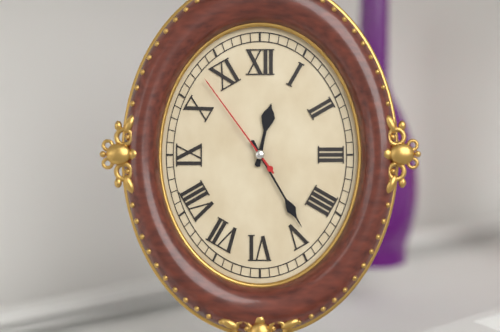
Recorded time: 12:25:54
